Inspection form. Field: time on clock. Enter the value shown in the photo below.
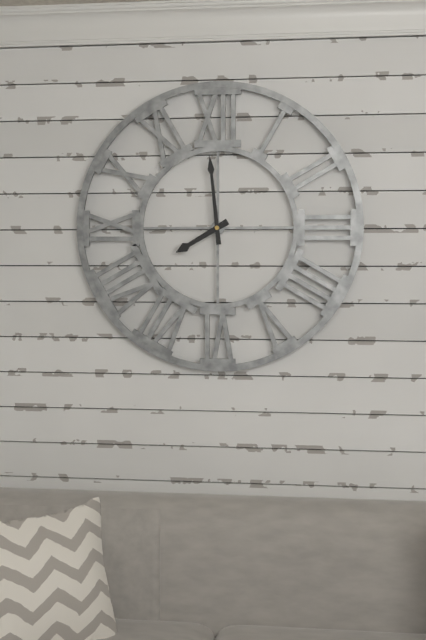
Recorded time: 7:59
